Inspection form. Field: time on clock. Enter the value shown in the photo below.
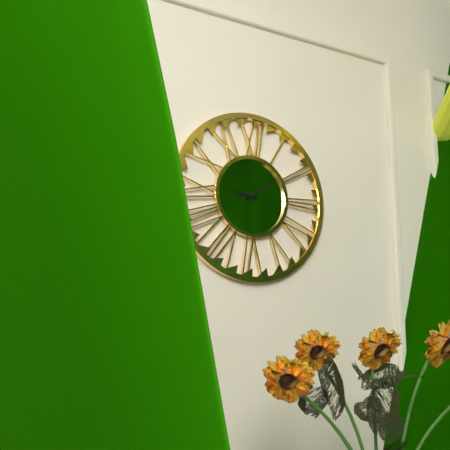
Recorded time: 9:09
